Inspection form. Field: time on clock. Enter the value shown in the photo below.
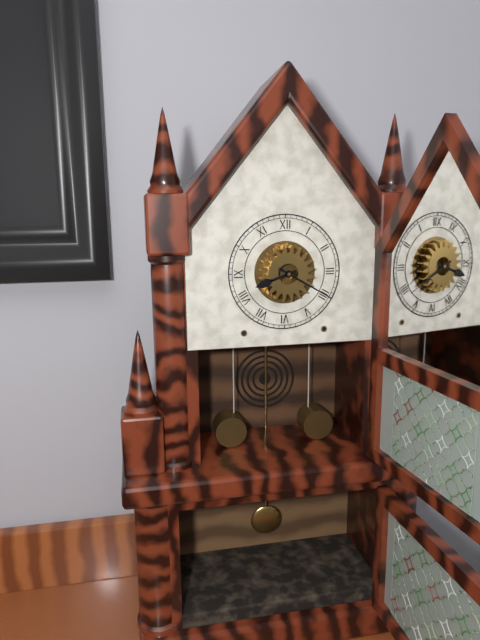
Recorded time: 8:20
